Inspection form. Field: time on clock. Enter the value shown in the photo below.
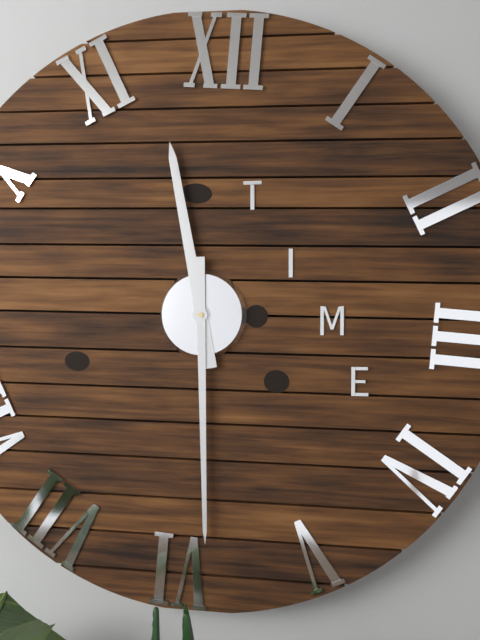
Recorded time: 11:29
